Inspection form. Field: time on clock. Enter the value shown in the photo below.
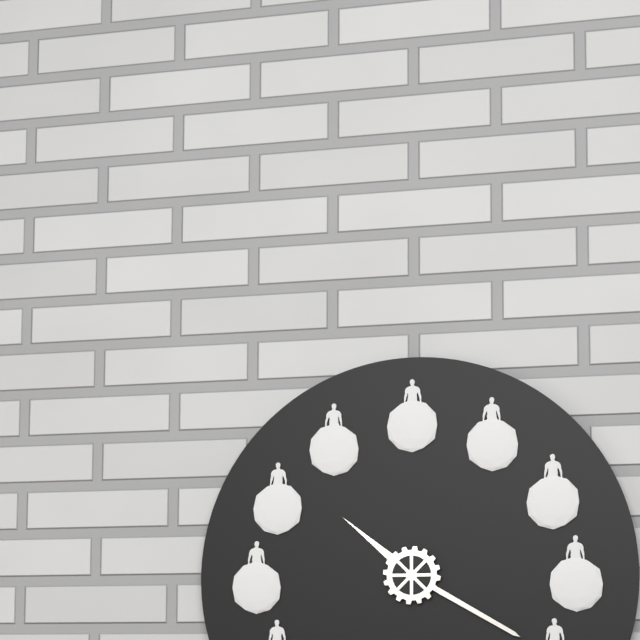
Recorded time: 10:20
